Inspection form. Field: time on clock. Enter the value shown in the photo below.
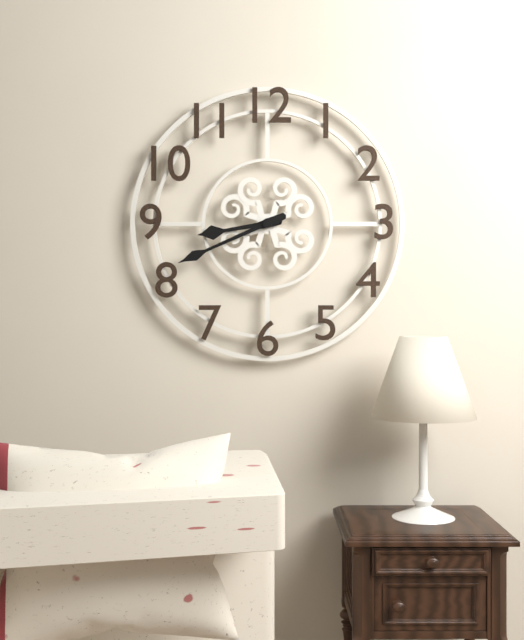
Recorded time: 8:41
